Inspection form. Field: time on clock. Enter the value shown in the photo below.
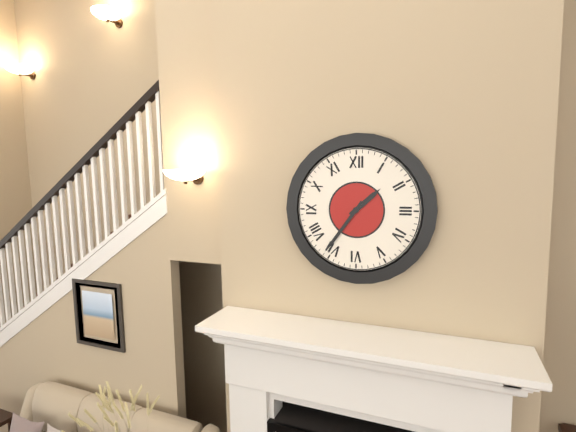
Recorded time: 1:36
